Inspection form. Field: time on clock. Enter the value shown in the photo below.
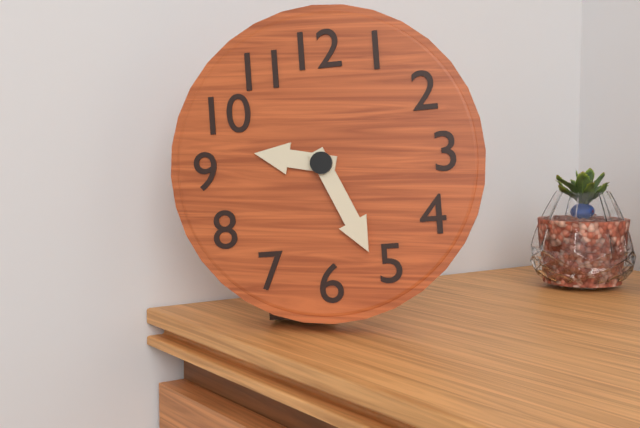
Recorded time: 9:26
